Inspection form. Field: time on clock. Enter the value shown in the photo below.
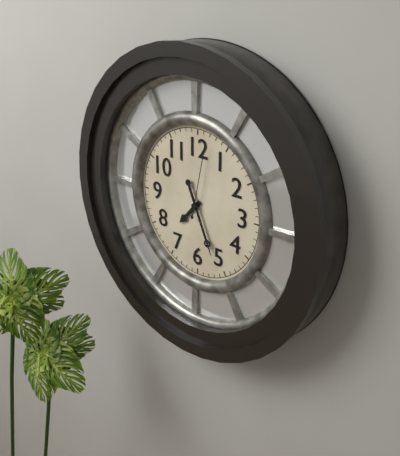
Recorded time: 7:26:02
